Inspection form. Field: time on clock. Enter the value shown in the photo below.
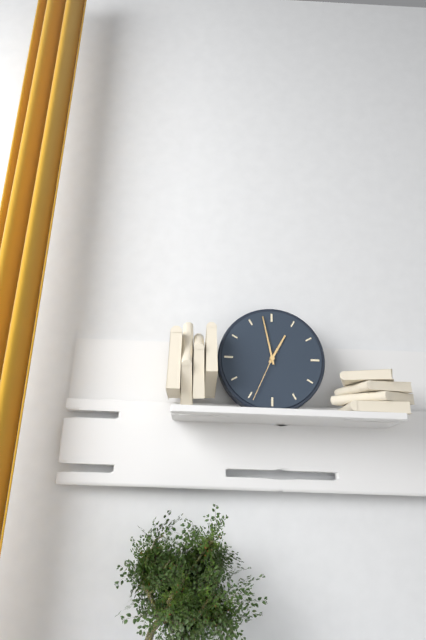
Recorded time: 12:58:34
